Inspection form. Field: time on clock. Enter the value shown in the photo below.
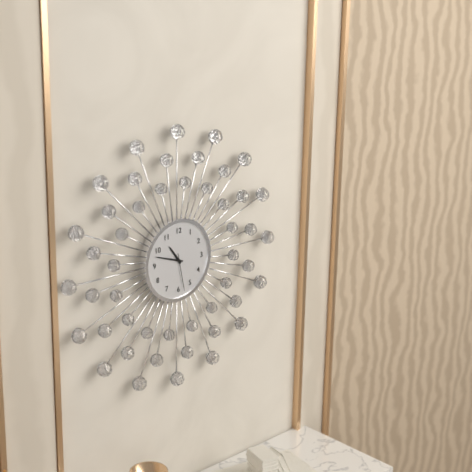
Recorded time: 10:48
